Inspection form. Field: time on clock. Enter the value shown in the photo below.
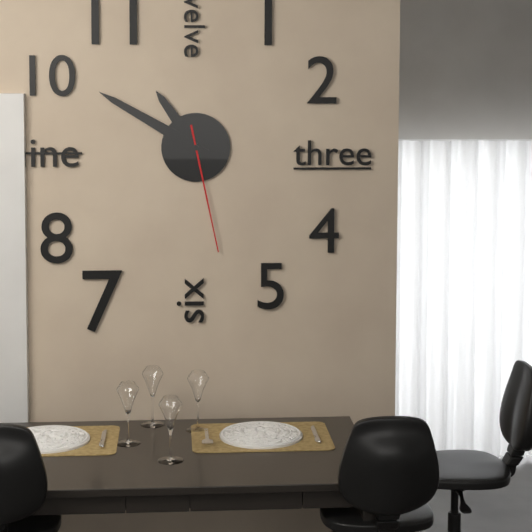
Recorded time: 10:50:28
